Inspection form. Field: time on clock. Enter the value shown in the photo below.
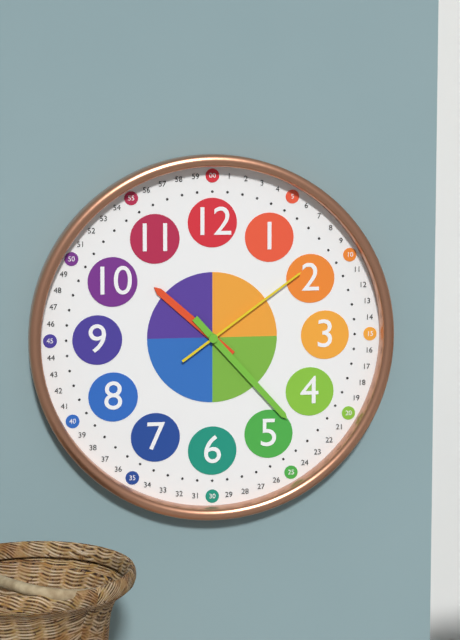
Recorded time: 10:23:09
